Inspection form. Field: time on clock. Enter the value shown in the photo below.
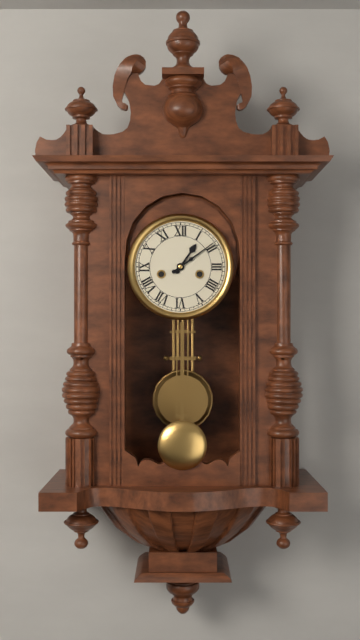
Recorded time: 1:09
